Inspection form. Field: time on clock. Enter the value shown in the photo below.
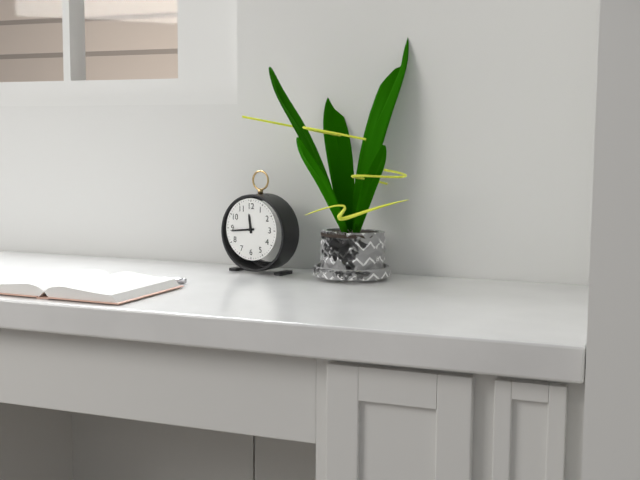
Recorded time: 11:44
